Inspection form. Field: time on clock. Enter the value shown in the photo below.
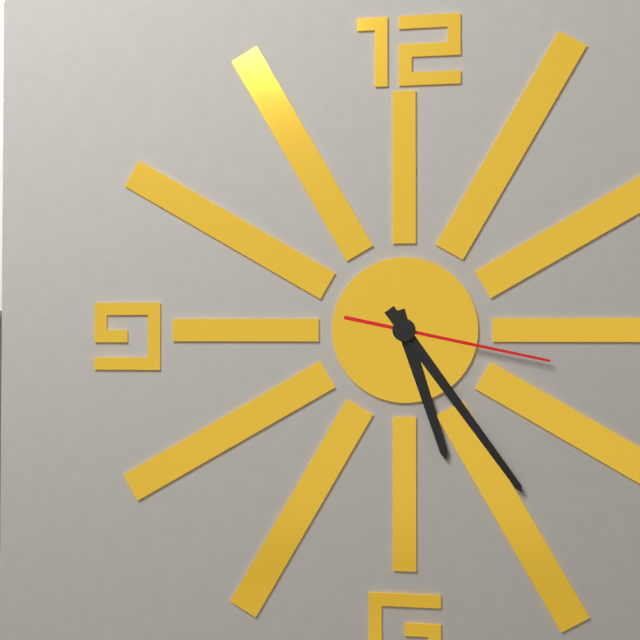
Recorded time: 5:24:17
